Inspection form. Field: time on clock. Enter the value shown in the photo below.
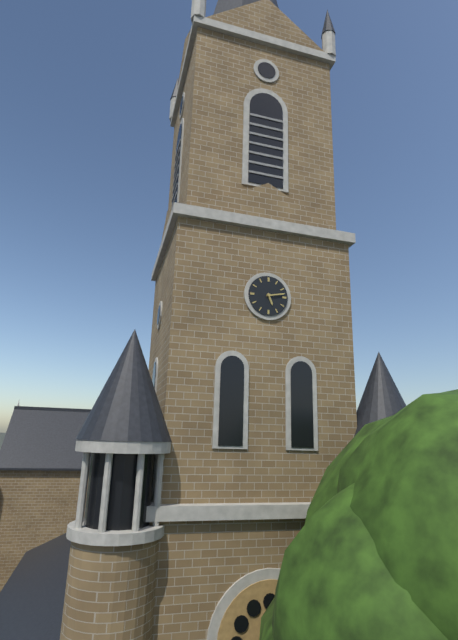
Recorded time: 5:13
